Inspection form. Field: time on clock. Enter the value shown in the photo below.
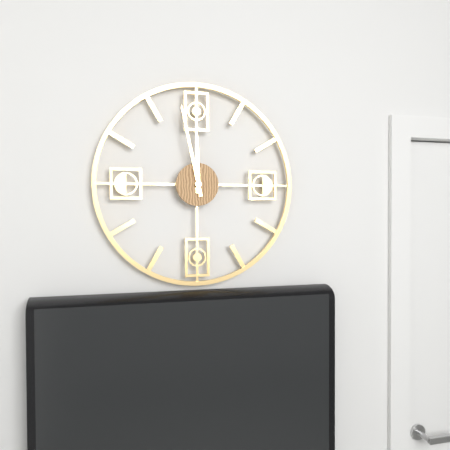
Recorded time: 11:58
